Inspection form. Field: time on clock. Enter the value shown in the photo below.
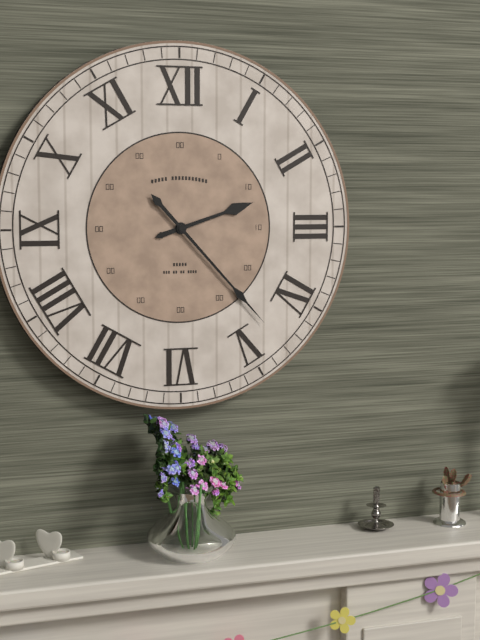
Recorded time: 2:23
